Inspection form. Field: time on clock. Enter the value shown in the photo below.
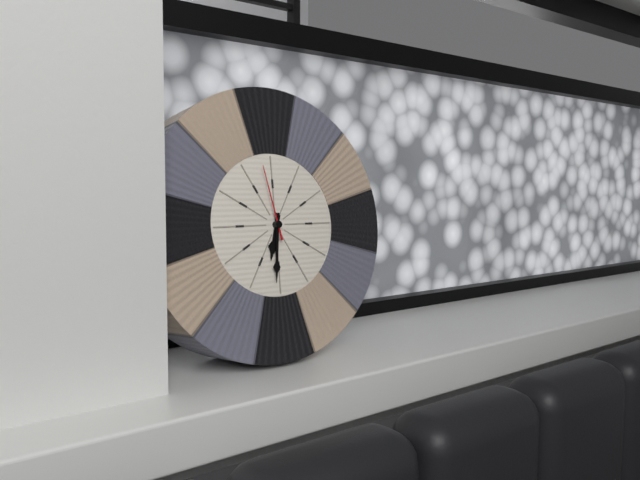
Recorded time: 6:31:58
